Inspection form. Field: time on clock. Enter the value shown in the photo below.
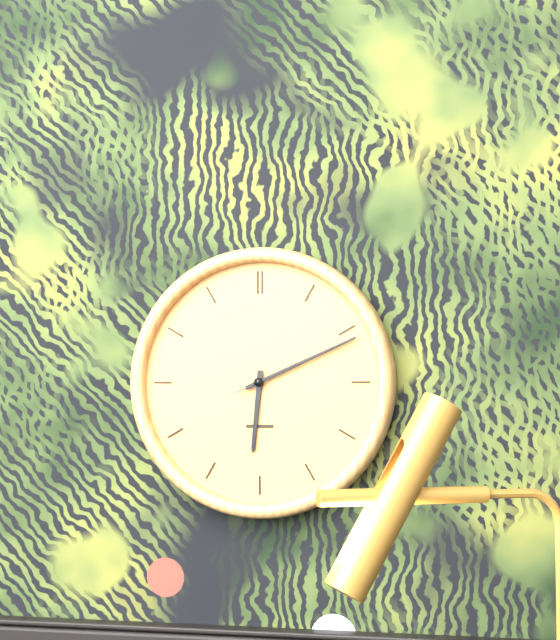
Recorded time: 6:11:11
